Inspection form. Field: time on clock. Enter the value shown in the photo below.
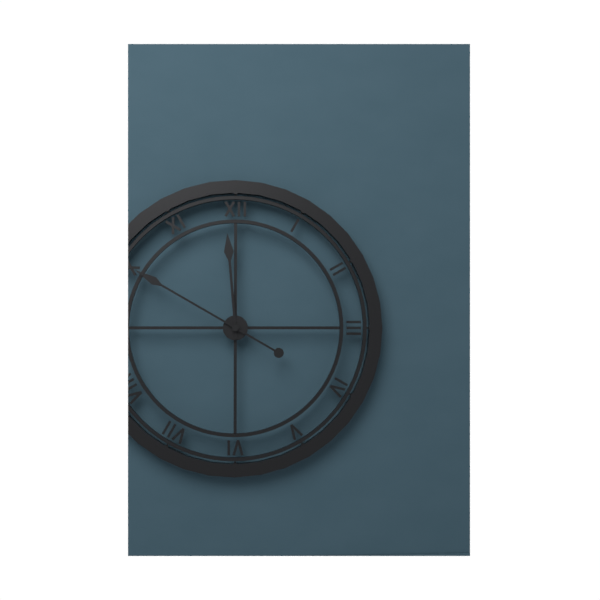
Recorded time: 11:50
